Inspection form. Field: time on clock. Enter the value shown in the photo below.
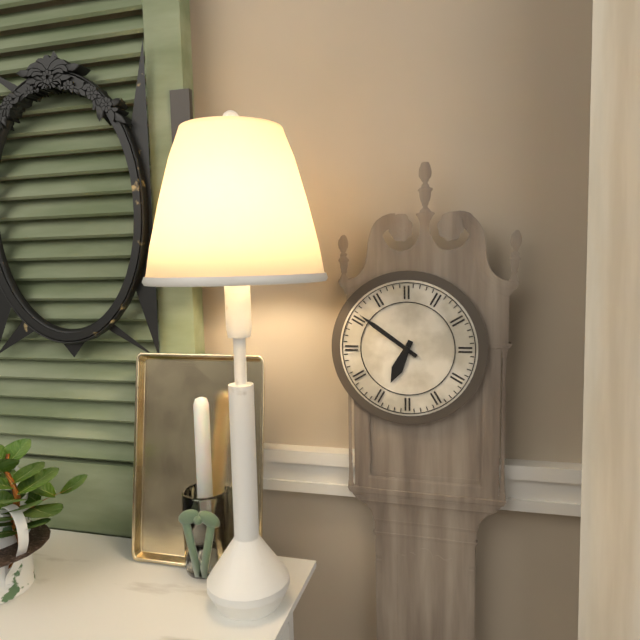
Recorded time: 6:51
